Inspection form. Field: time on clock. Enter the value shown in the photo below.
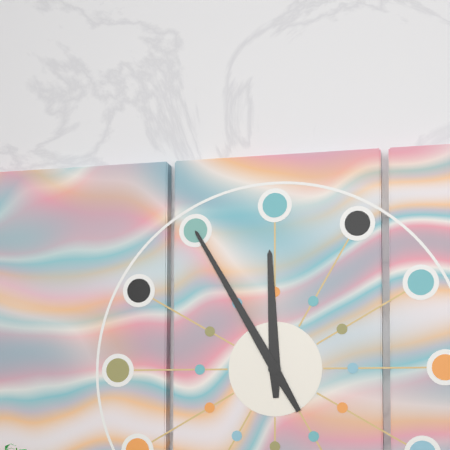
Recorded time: 11:55
